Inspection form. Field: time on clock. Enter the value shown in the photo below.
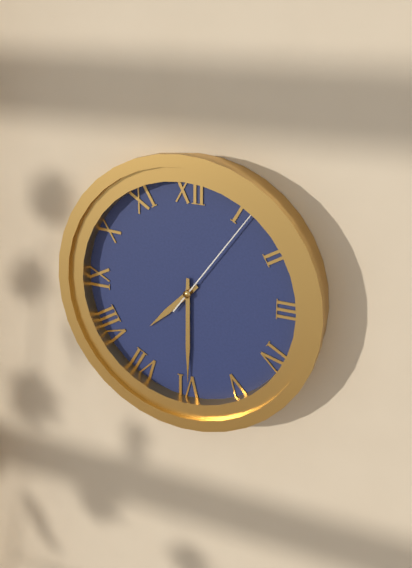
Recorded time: 7:30:06
